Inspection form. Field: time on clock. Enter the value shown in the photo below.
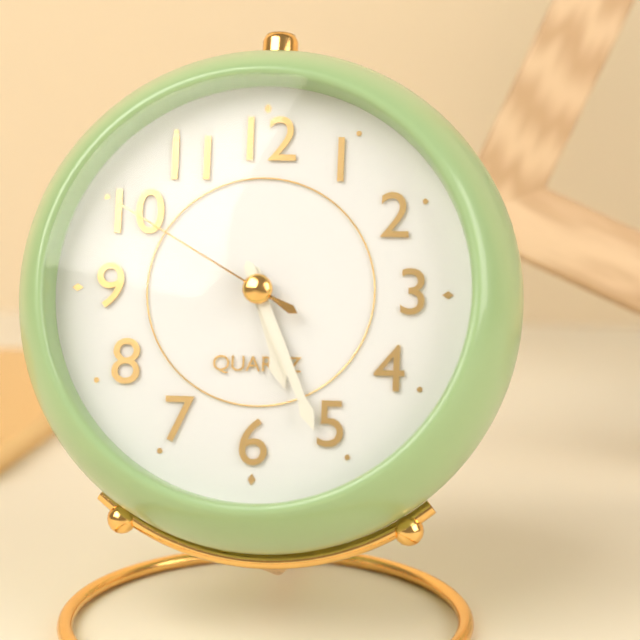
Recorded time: 5:26:50
